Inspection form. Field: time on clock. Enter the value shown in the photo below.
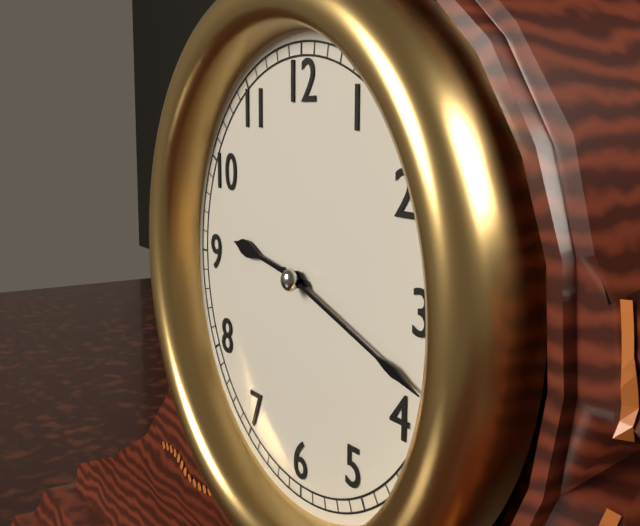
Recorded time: 9:18
